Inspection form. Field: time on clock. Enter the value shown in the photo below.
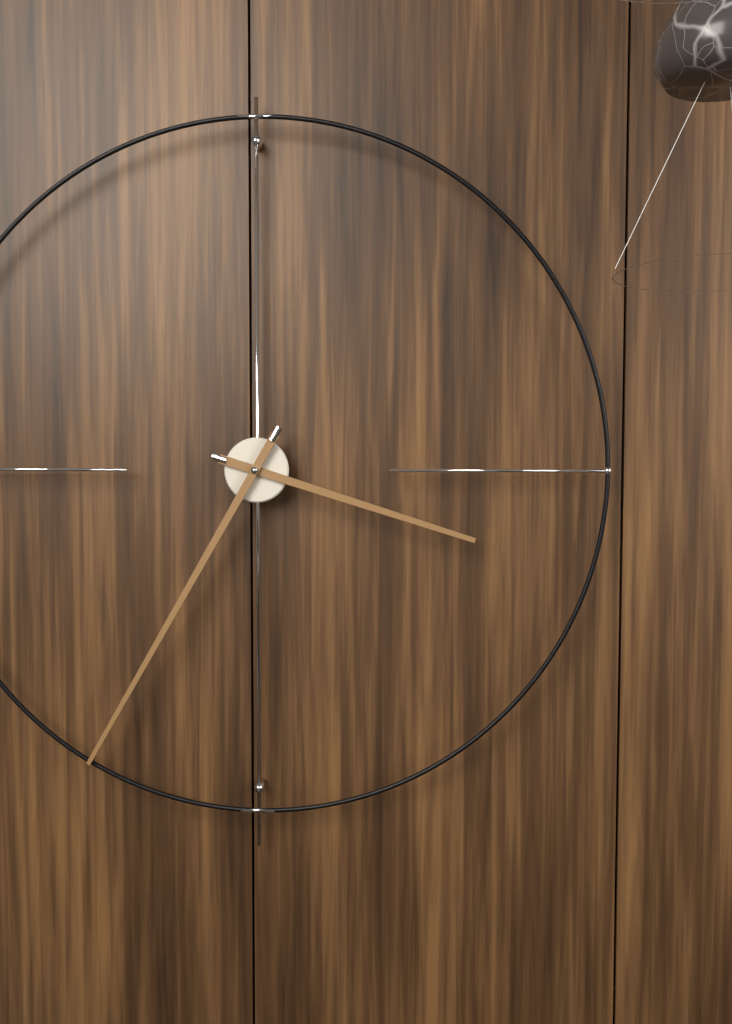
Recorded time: 3:35
